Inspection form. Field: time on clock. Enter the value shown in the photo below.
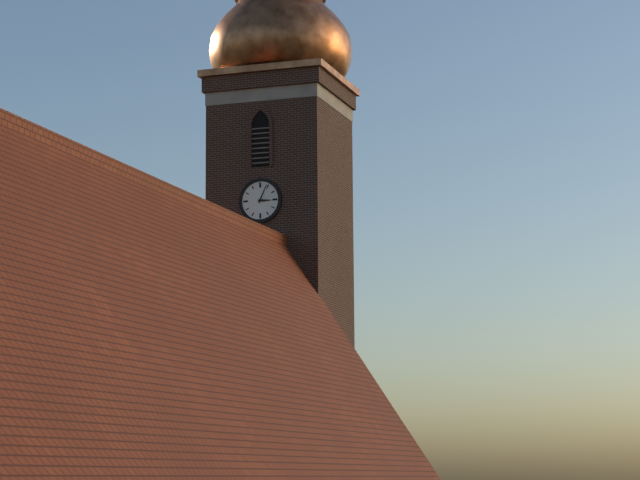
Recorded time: 3:04
